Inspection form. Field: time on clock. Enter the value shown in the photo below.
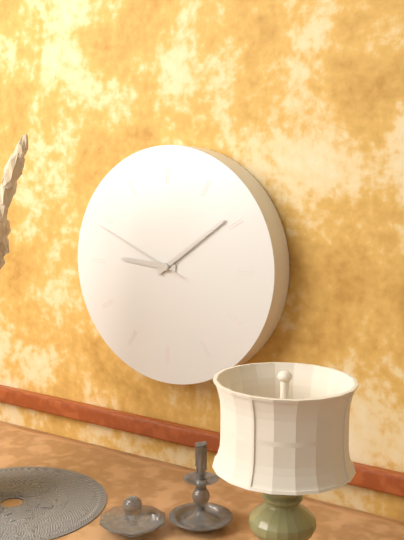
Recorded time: 9:09:49
